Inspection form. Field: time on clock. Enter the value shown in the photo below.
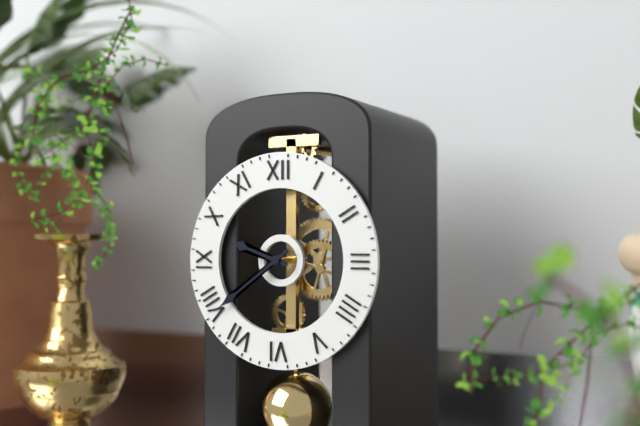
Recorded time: 9:39
